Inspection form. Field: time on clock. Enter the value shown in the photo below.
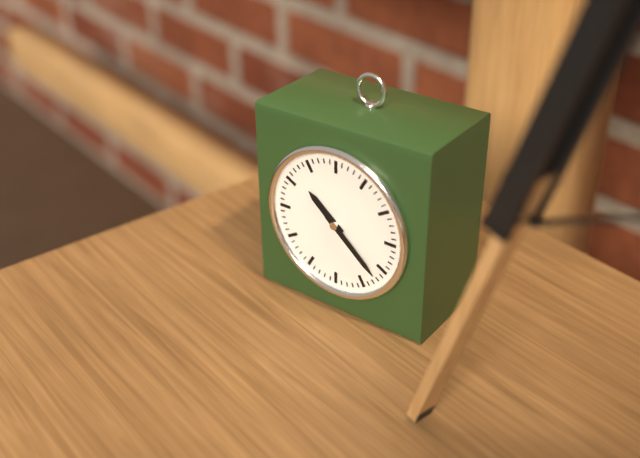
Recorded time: 10:22
